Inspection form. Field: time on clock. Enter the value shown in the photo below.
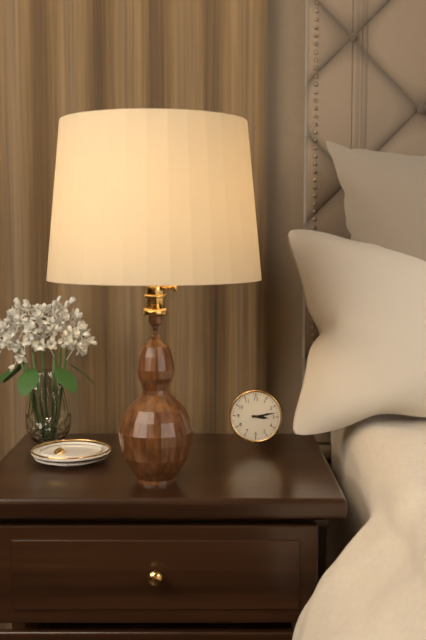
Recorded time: 3:13
